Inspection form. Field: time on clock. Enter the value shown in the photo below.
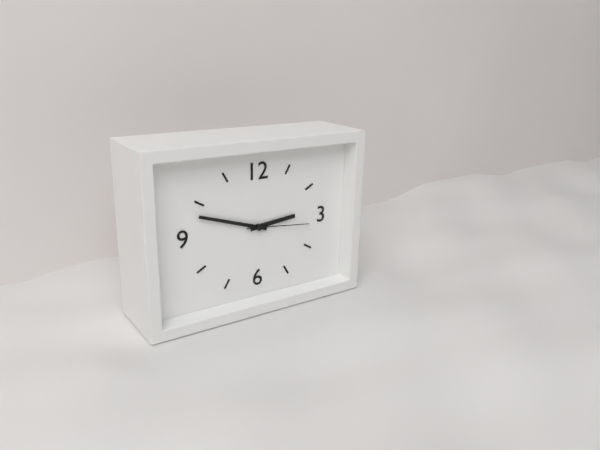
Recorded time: 2:48:16
